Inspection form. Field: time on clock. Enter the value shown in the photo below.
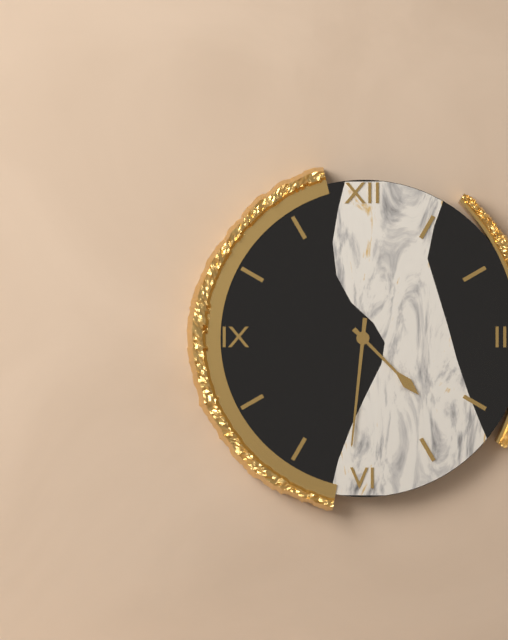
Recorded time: 4:31
